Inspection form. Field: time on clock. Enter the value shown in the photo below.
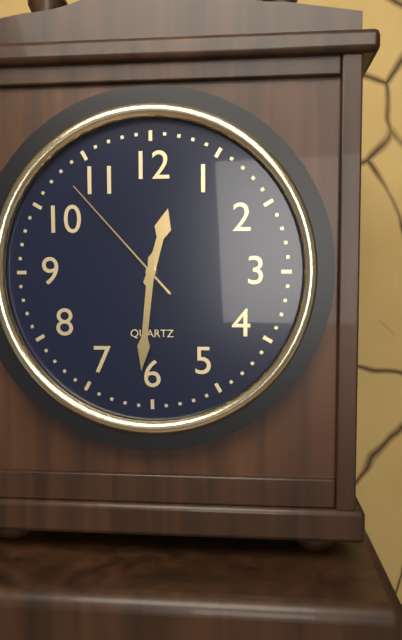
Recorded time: 12:31:53
